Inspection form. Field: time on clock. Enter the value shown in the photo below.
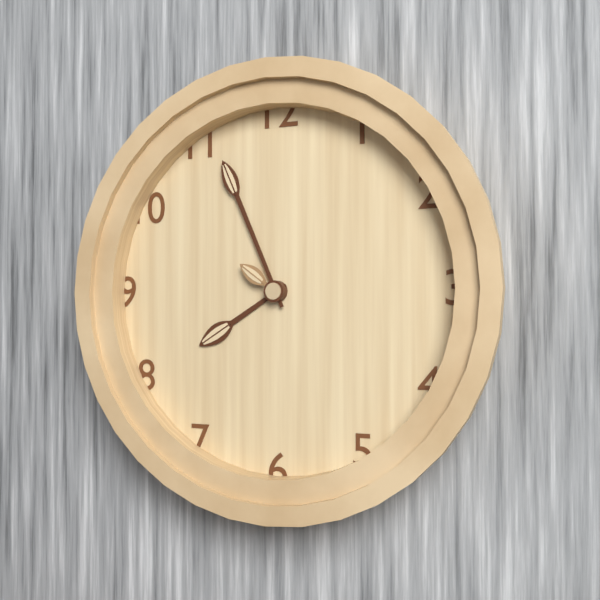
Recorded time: 7:56:51
